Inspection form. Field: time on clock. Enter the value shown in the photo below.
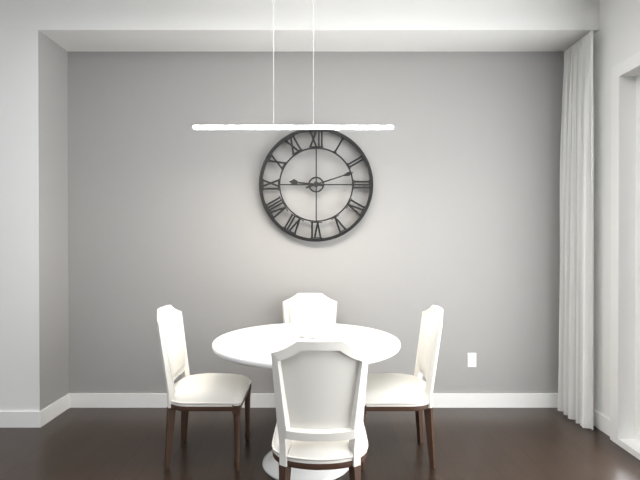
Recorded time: 9:12
